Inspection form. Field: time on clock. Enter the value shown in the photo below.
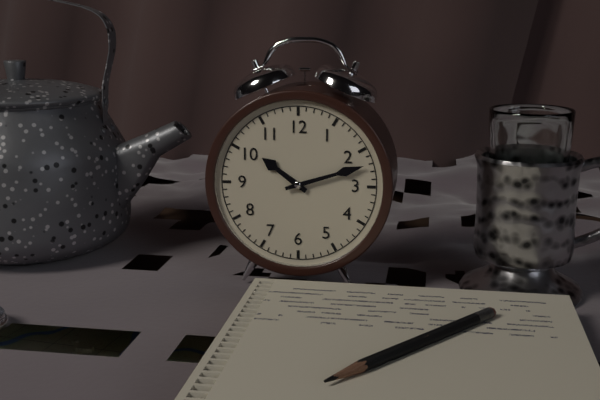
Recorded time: 10:12
